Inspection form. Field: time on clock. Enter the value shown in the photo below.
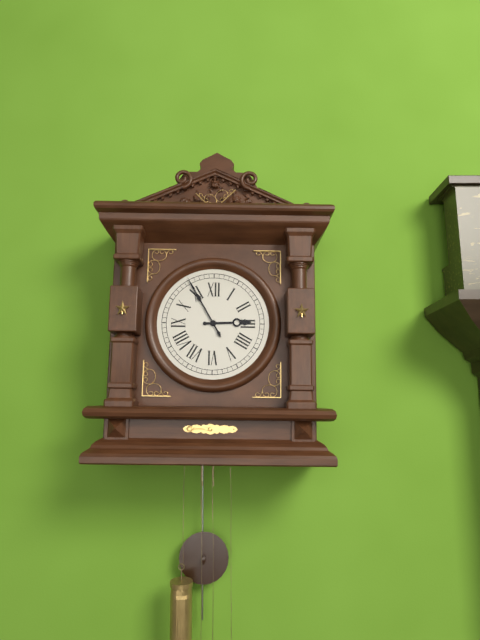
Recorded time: 2:55
